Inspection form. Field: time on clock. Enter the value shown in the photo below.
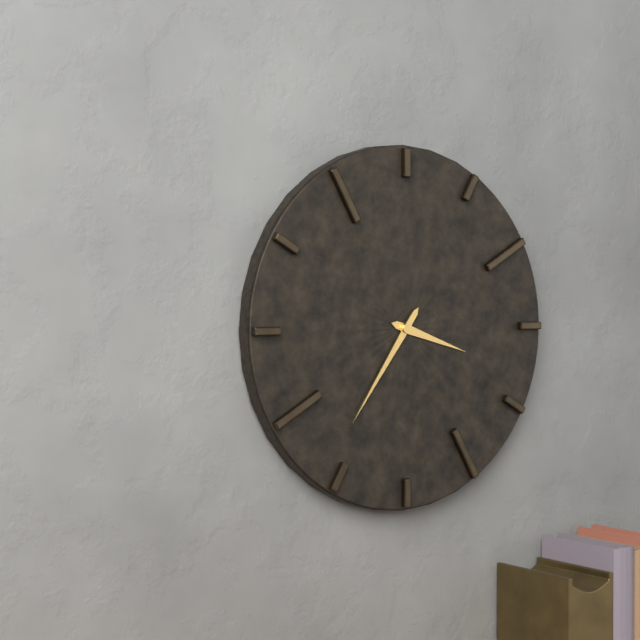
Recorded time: 3:36
